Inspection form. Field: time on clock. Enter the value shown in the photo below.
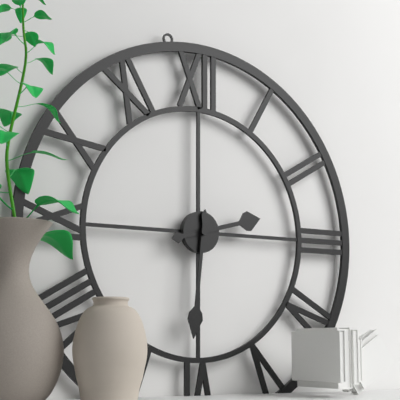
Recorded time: 2:31
